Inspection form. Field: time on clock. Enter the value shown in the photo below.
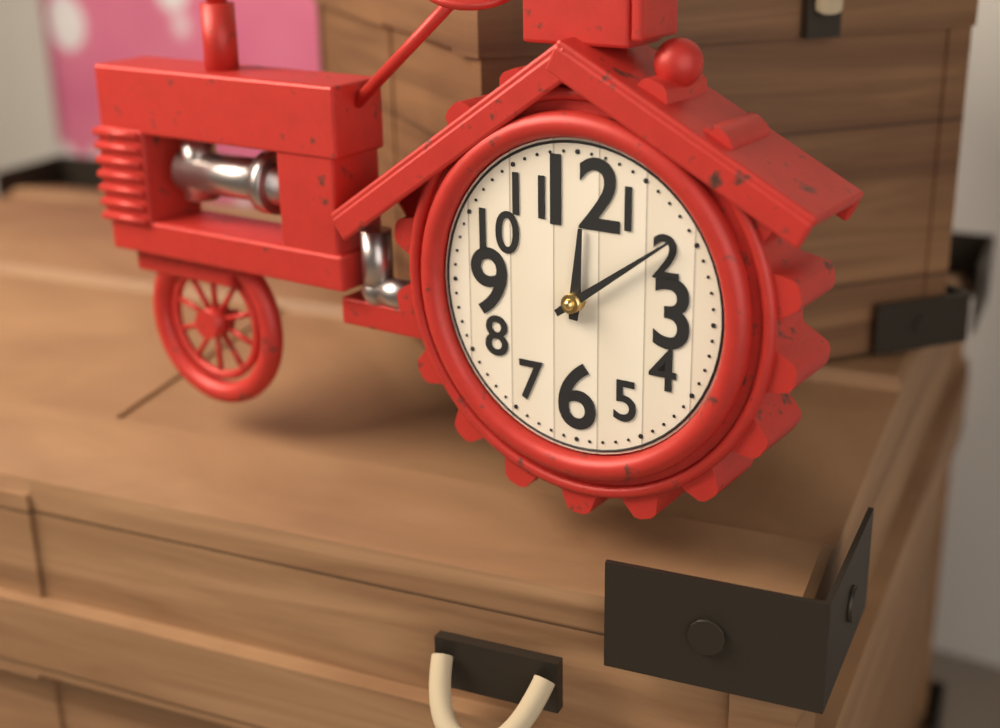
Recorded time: 12:09
